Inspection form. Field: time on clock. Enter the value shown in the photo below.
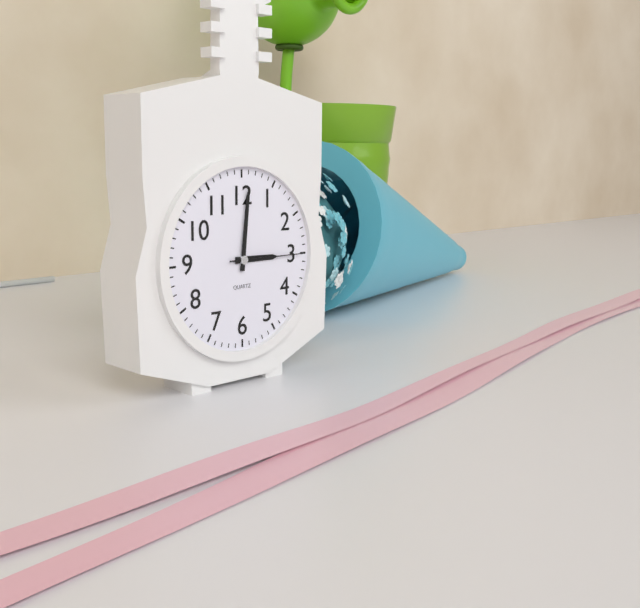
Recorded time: 3:01:15
